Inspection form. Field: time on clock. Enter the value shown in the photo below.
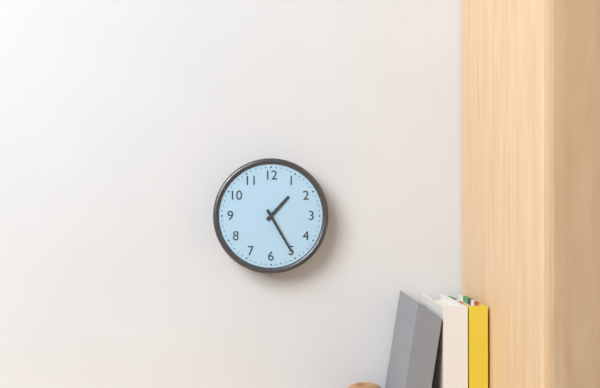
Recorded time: 1:25
